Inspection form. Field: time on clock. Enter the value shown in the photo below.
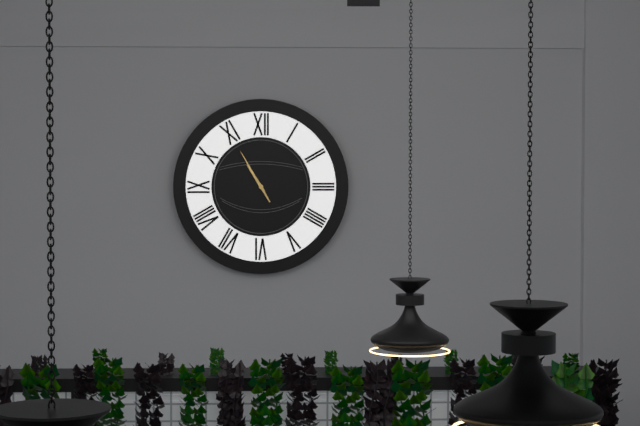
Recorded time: 10:55
